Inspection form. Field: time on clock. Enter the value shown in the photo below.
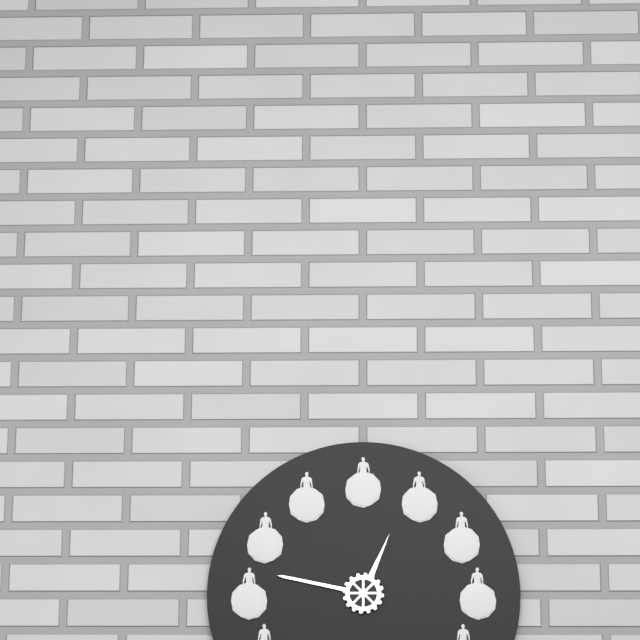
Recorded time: 12:47
